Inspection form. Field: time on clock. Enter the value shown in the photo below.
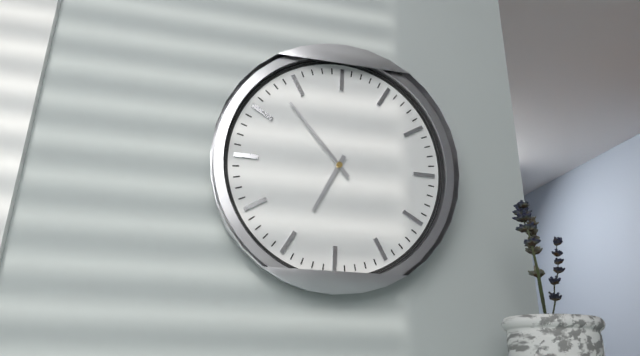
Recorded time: 6:53
